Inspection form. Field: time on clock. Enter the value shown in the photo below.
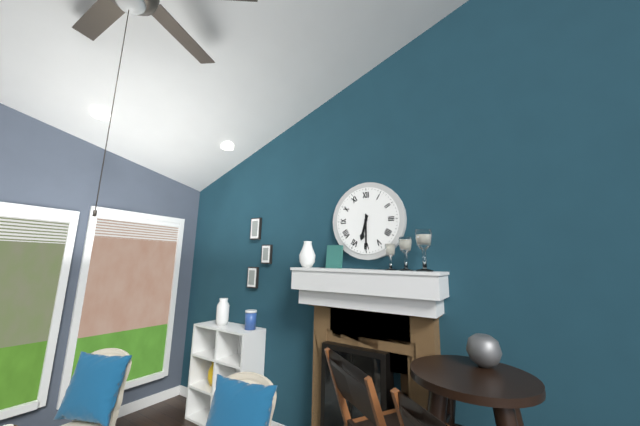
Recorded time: 6:30
